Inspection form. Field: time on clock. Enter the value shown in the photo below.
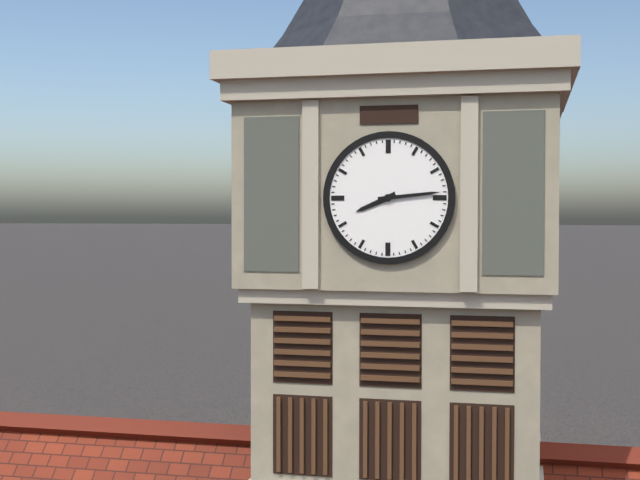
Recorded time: 8:14
